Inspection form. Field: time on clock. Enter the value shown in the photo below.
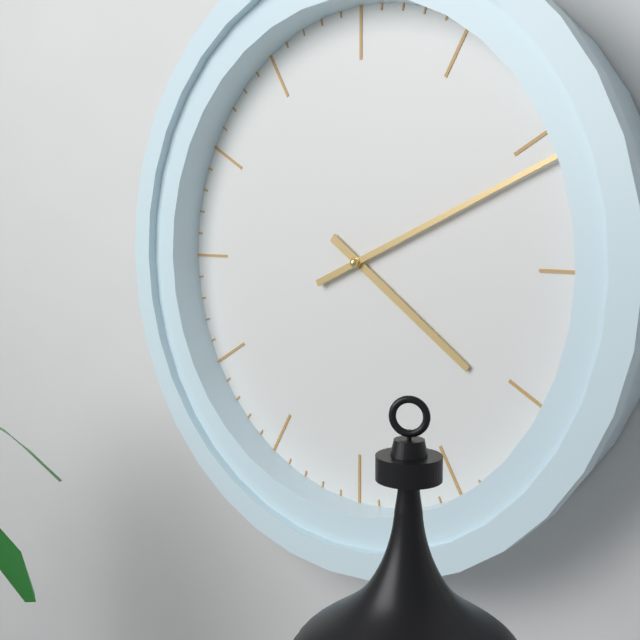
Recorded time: 4:11
